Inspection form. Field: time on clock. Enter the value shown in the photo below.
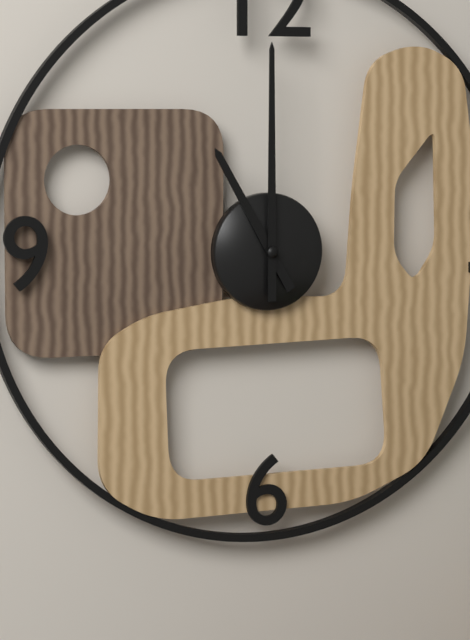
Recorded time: 11:00
